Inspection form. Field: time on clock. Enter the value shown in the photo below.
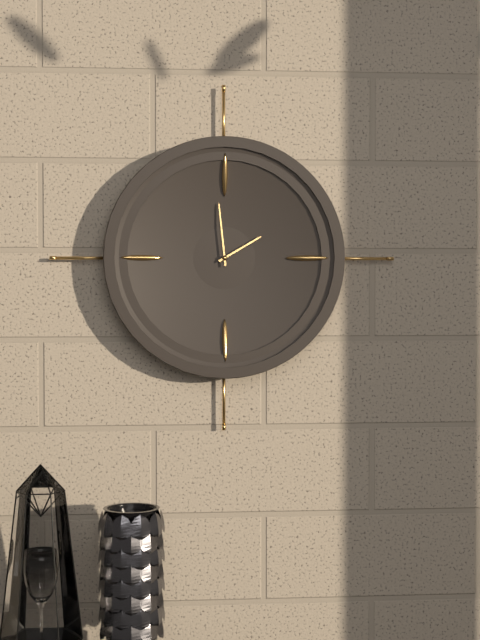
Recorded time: 1:59
